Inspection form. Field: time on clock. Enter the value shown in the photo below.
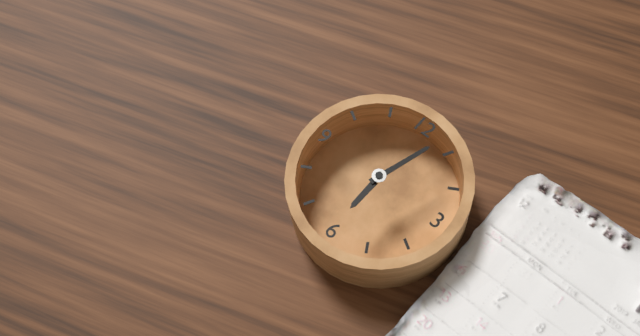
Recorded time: 6:03
